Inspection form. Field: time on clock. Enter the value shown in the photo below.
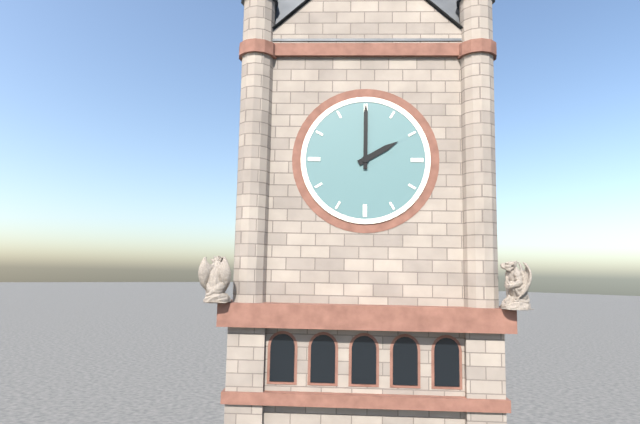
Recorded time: 2:00
